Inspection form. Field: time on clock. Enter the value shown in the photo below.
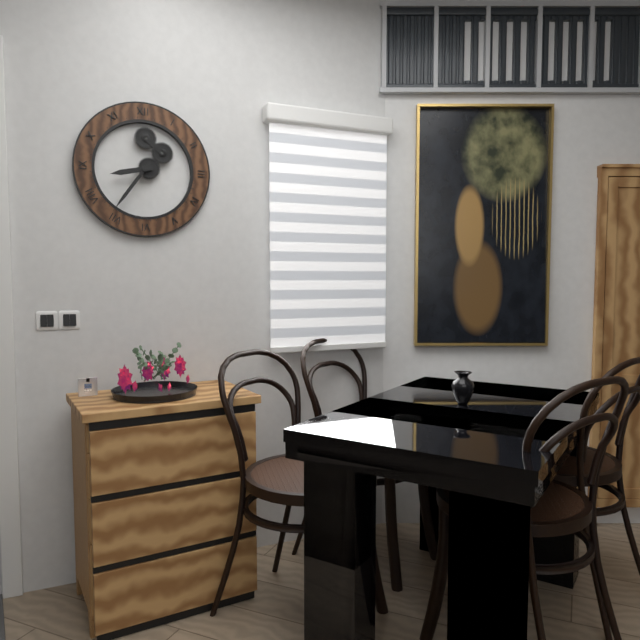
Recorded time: 8:36
